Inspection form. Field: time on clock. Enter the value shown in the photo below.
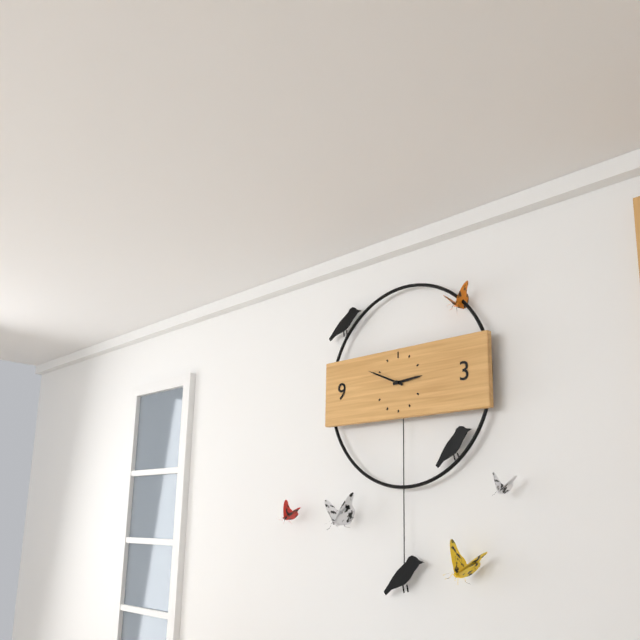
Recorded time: 2:49
